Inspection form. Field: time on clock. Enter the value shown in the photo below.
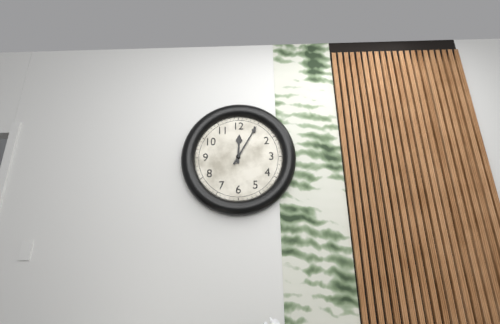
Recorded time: 12:05
